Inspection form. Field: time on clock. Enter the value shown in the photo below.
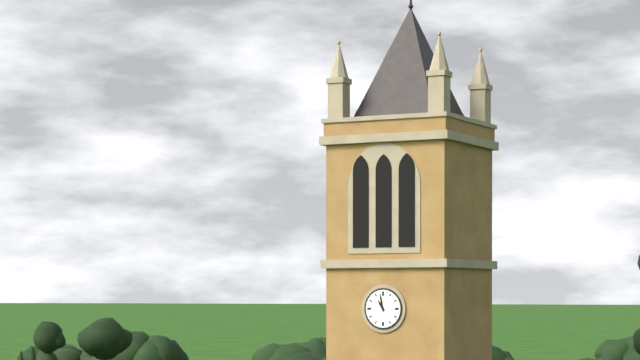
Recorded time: 10:58
